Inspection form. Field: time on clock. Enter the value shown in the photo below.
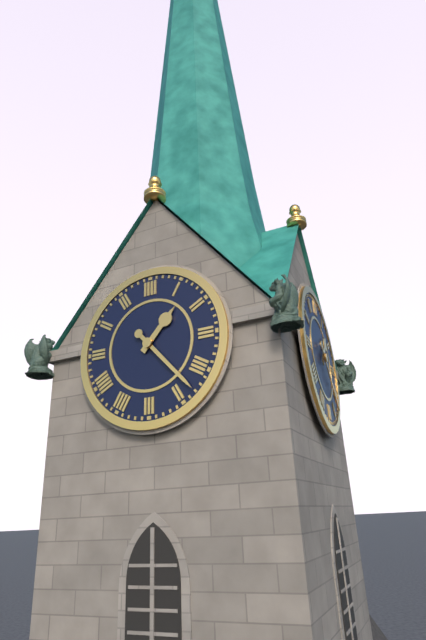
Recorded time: 1:23
